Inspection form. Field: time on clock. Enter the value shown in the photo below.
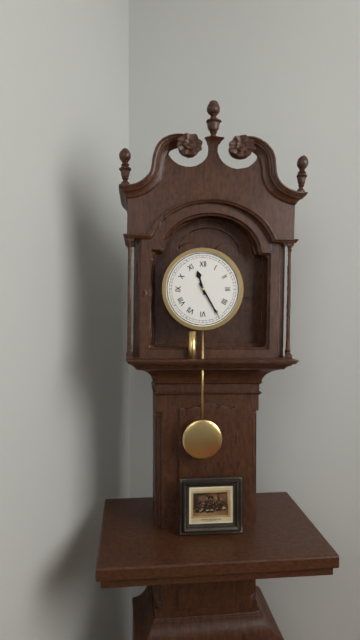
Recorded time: 11:25
